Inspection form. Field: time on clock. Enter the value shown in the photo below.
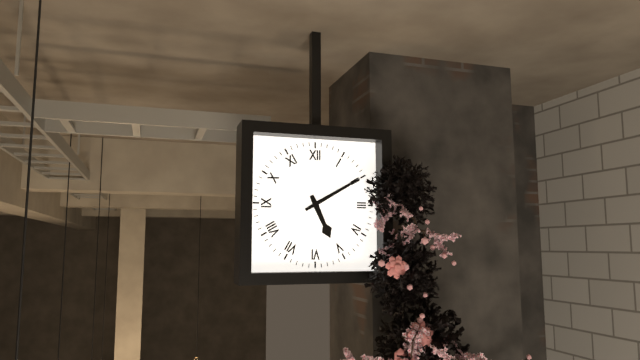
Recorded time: 5:10
